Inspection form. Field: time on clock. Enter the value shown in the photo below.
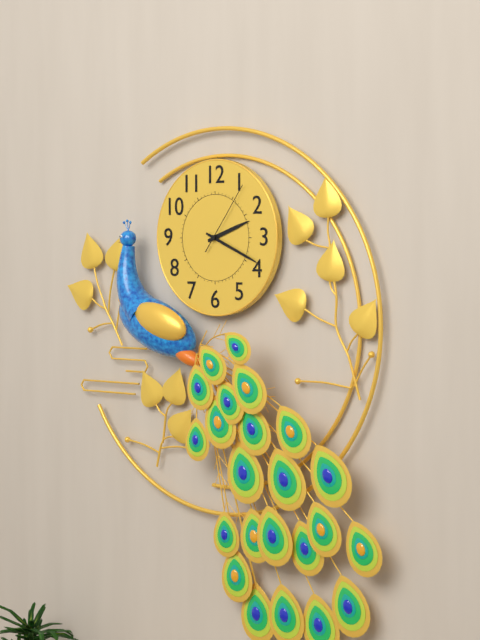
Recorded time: 2:19:06
